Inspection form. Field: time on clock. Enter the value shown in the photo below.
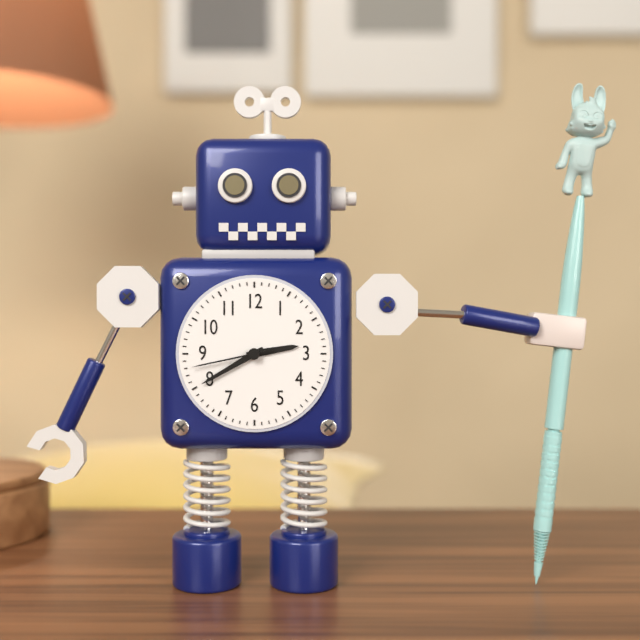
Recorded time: 2:40:43
